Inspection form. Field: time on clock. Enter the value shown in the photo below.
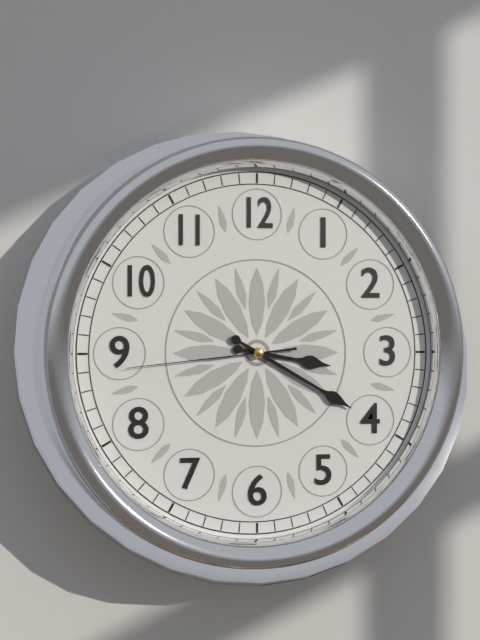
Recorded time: 3:20:44
